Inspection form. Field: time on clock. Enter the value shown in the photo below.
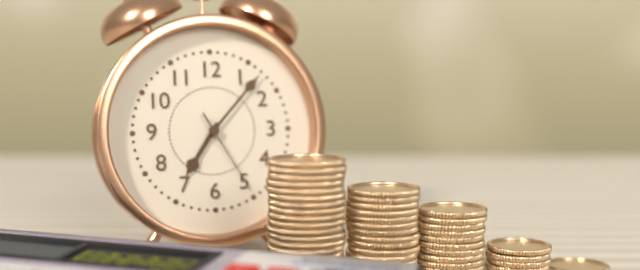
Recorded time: 7:07:25
